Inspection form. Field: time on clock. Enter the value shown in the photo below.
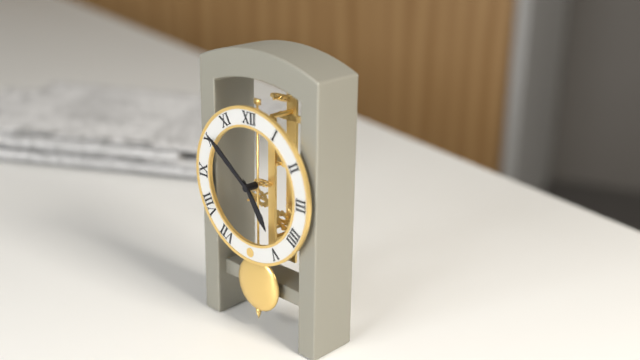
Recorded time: 4:51
